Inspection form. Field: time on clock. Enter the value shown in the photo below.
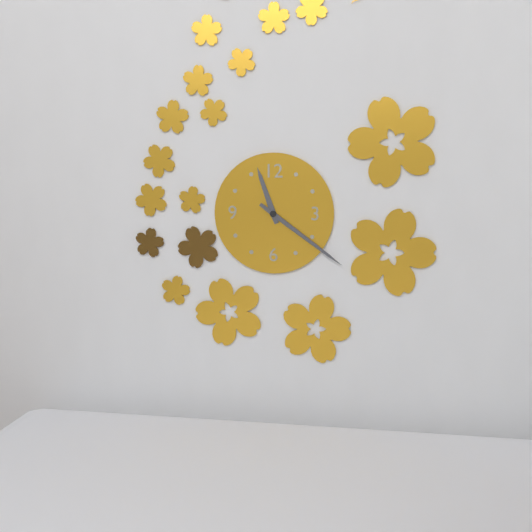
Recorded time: 11:21
